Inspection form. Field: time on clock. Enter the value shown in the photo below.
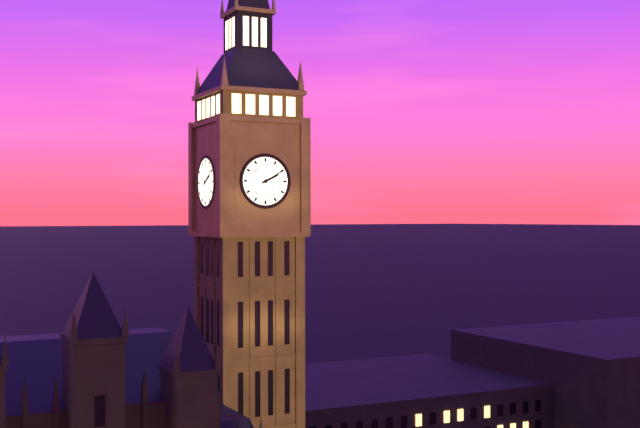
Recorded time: 2:10
